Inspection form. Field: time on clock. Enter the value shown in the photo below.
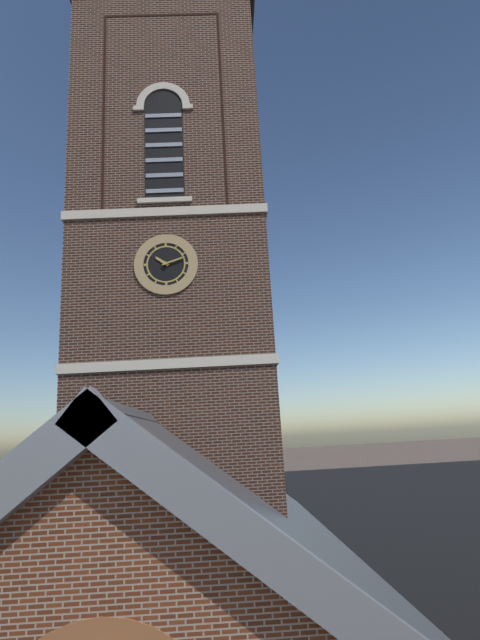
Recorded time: 10:12
